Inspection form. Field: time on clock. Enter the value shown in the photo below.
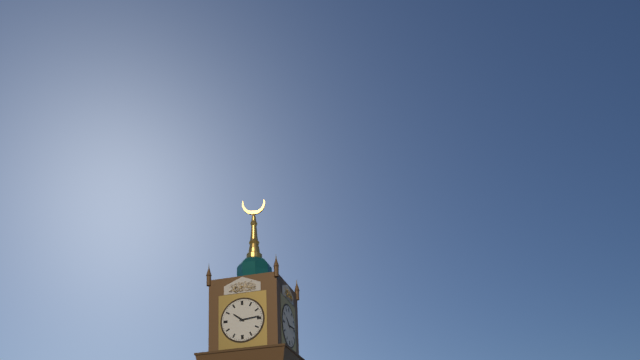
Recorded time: 10:14
